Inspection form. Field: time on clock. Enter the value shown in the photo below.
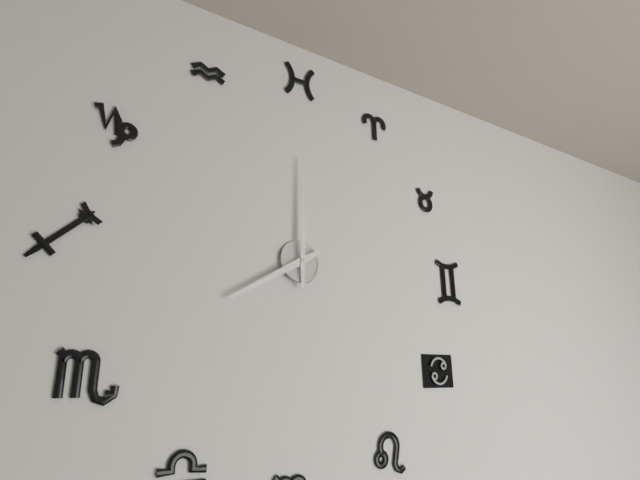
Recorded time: 8:00
